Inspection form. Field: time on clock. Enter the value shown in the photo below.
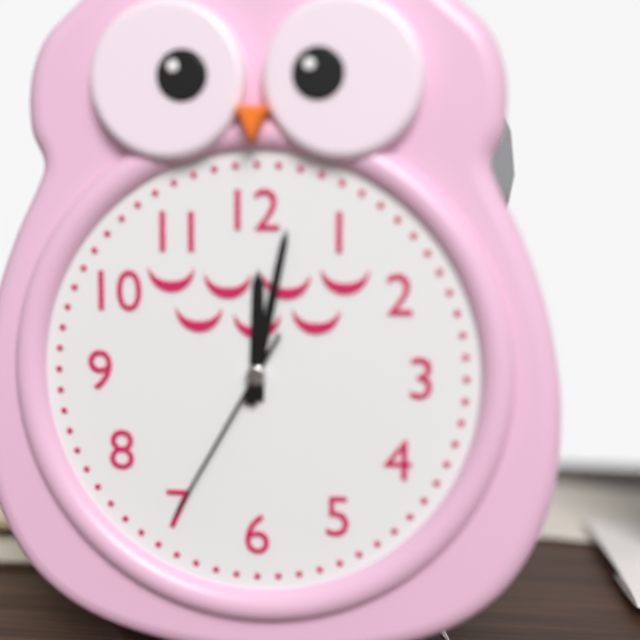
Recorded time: 12:02:35
